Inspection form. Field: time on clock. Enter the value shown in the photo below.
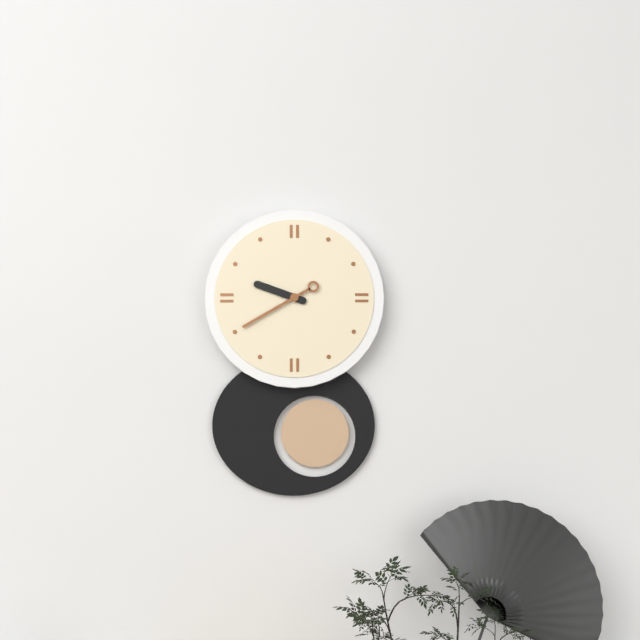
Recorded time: 9:40
